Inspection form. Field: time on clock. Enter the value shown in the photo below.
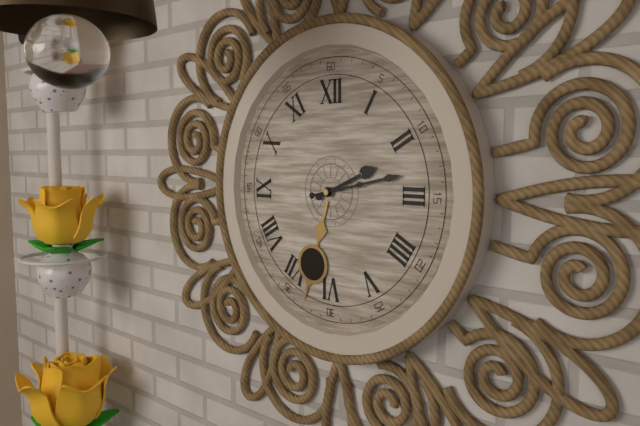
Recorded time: 2:13
